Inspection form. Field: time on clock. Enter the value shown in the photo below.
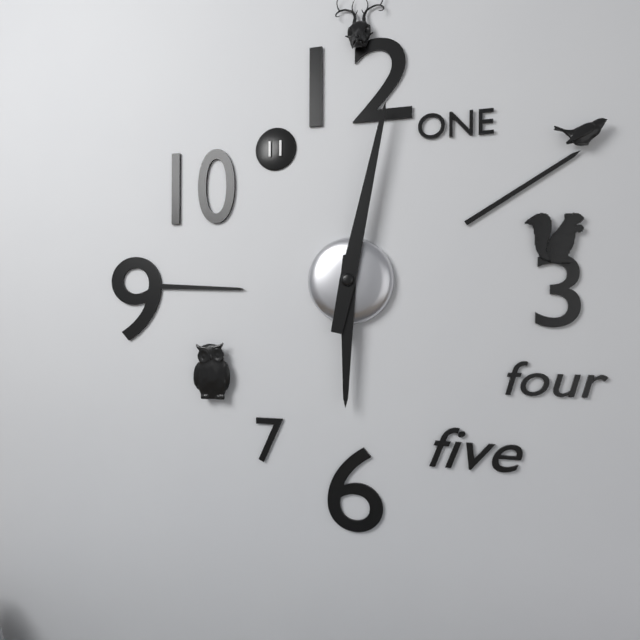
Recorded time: 6:02
